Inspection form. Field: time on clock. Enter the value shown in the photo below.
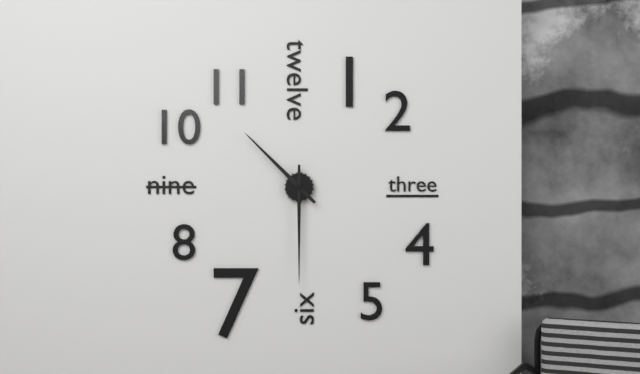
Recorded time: 10:30
